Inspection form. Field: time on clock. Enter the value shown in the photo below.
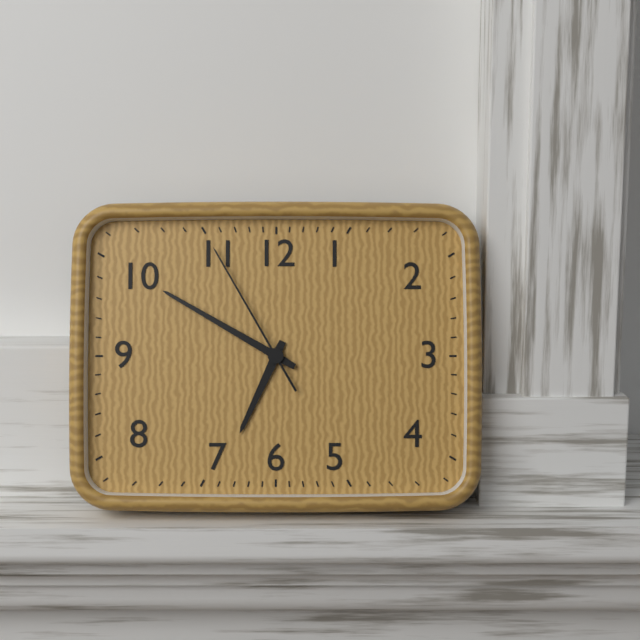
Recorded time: 6:50:55
